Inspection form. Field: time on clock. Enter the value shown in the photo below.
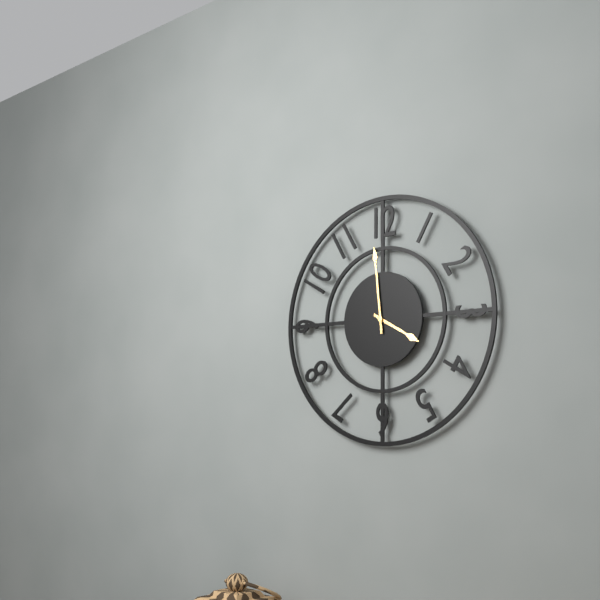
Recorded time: 3:59
